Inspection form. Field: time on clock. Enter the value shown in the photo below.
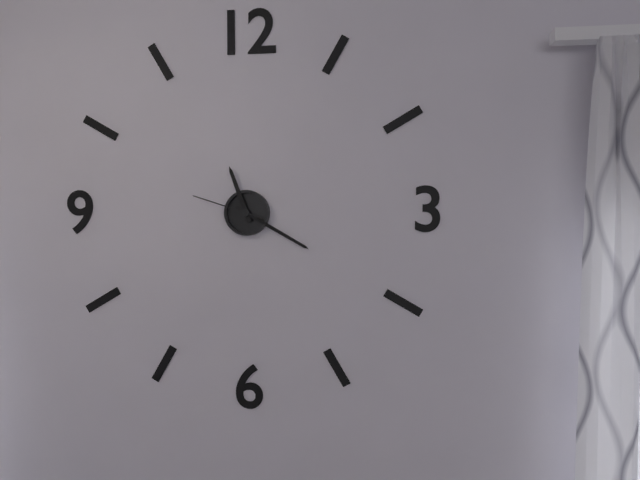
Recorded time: 11:20:48
